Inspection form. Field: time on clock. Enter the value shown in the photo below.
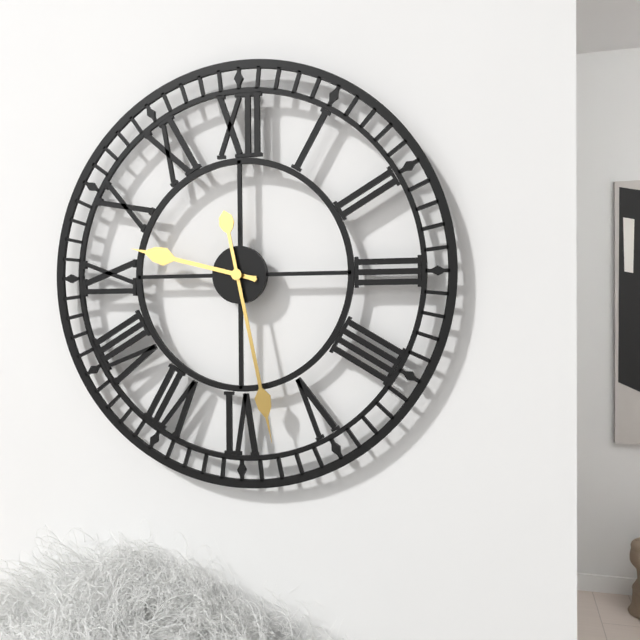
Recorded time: 9:28
